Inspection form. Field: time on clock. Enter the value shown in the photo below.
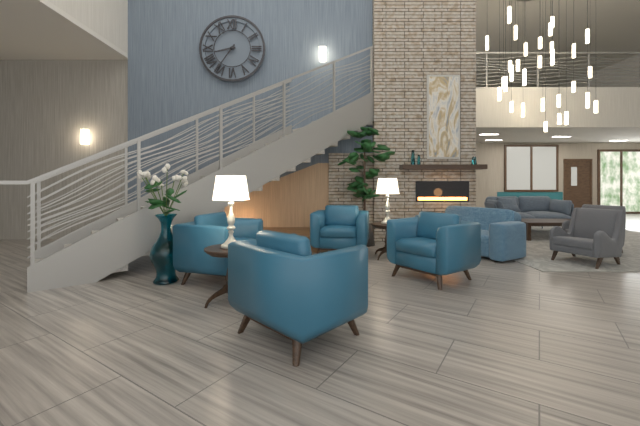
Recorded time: 8:36
